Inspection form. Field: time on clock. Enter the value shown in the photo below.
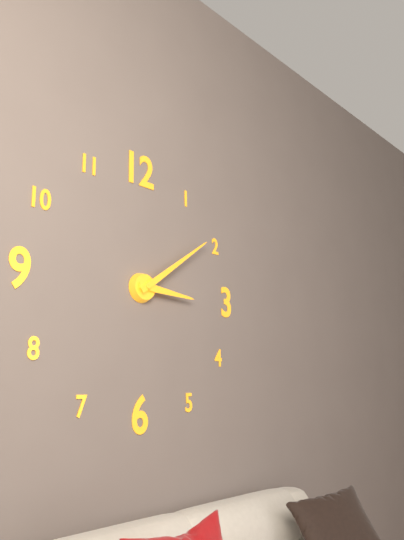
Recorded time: 3:09
